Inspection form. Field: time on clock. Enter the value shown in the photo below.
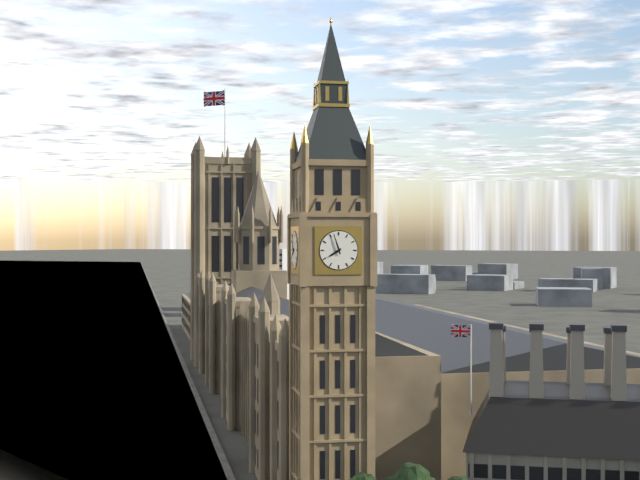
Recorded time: 7:57
